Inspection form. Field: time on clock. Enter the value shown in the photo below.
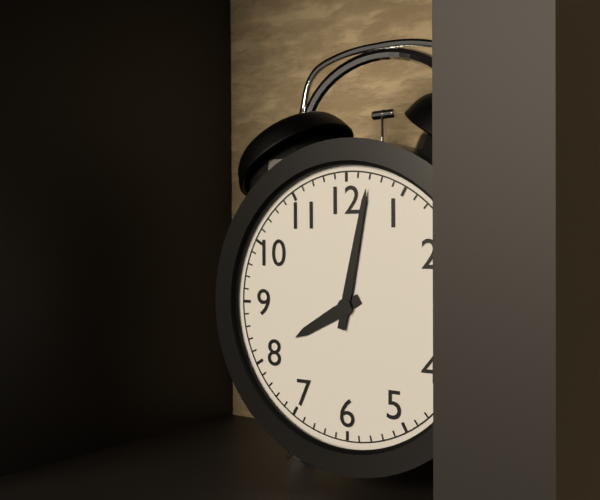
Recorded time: 8:02
